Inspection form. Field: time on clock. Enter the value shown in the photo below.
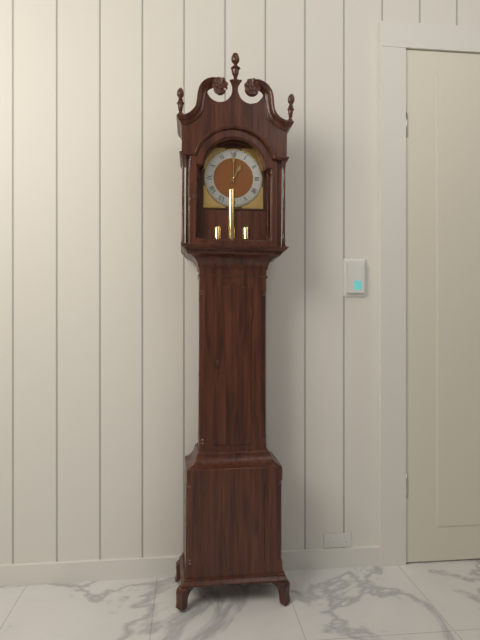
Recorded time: 1:00
